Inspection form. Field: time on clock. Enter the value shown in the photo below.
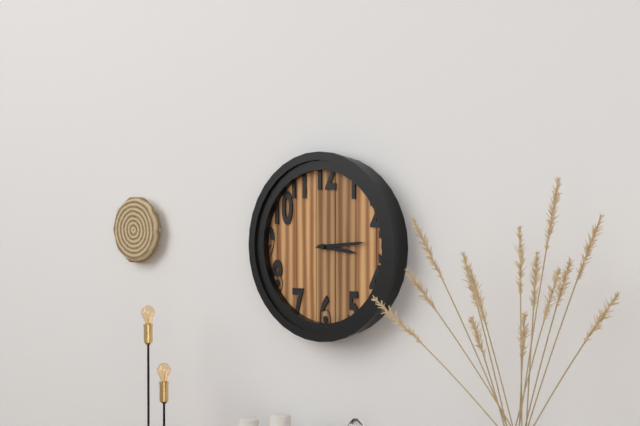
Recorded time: 3:14
